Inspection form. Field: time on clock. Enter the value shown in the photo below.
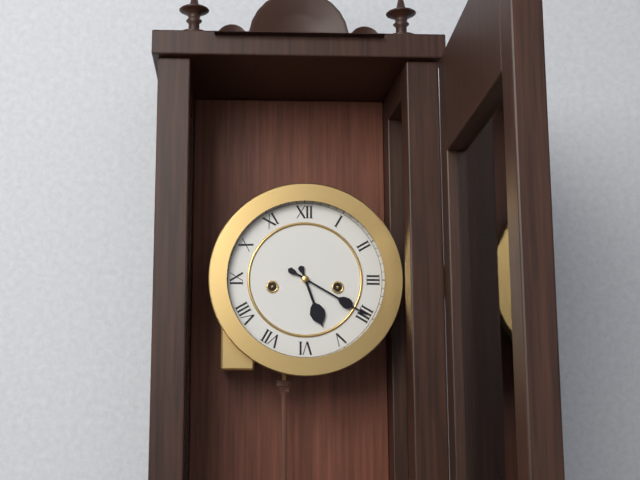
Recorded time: 5:20
